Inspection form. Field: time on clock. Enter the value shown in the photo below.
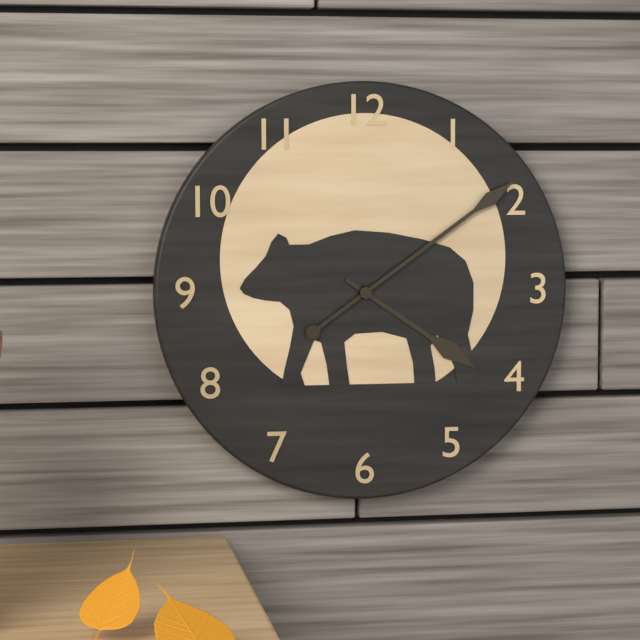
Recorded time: 4:09
